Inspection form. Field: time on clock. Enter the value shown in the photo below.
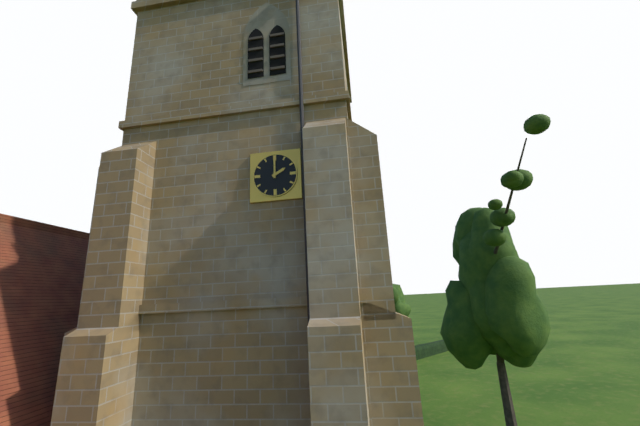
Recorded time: 2:00
